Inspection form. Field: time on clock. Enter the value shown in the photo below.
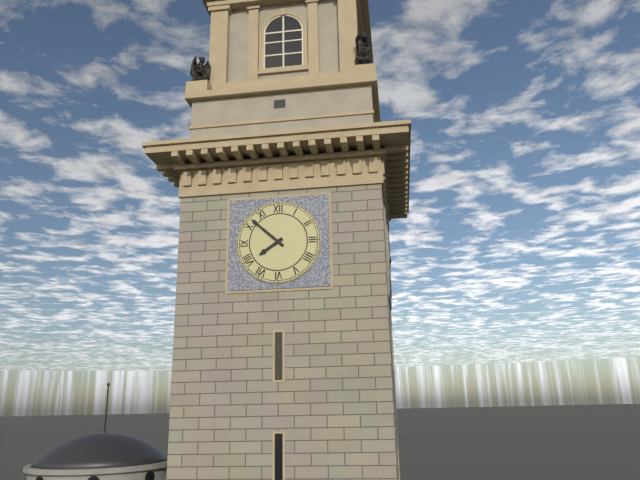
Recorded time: 7:52
